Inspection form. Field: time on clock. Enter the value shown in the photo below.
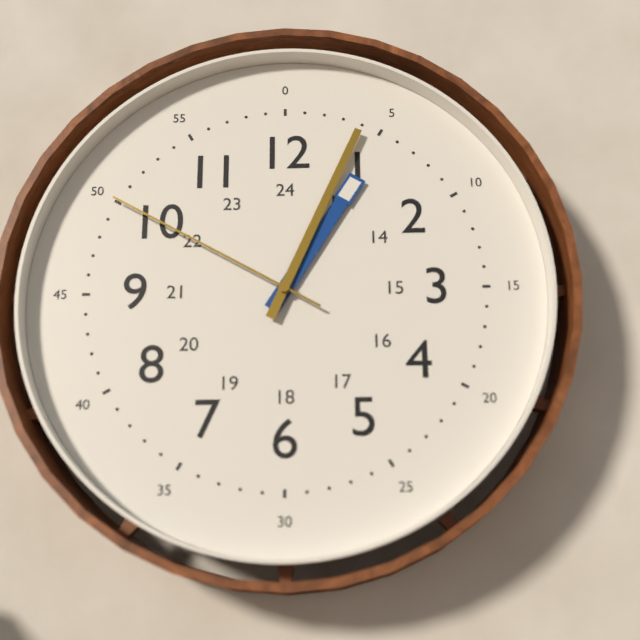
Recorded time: 1:04:50
